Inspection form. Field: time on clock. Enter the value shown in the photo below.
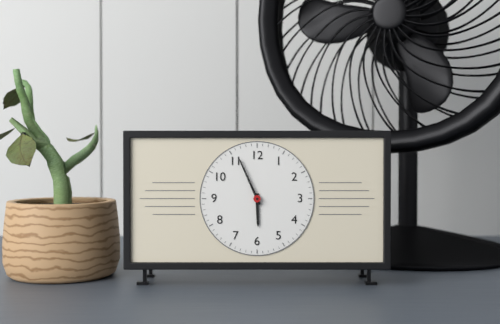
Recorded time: 5:56
